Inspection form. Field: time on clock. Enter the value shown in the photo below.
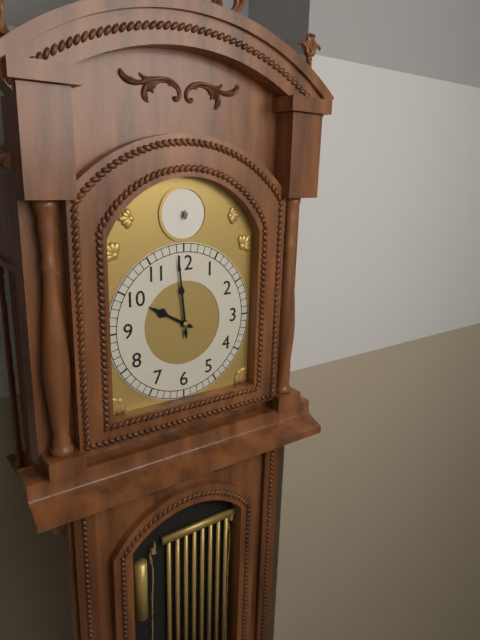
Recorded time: 9:59
